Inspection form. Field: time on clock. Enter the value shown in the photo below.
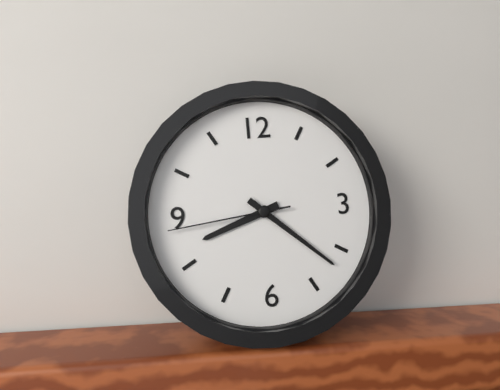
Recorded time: 8:22:44
